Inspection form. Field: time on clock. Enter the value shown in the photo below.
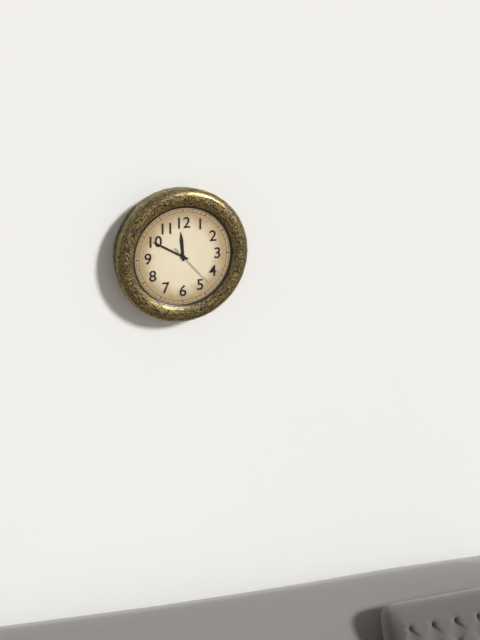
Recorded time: 11:50
